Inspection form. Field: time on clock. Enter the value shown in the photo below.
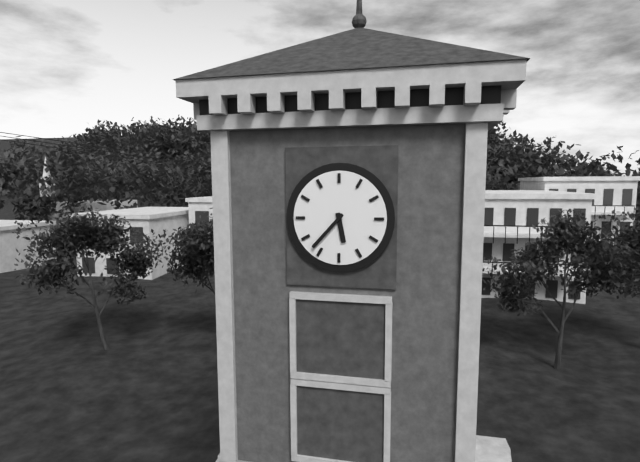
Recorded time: 5:37
